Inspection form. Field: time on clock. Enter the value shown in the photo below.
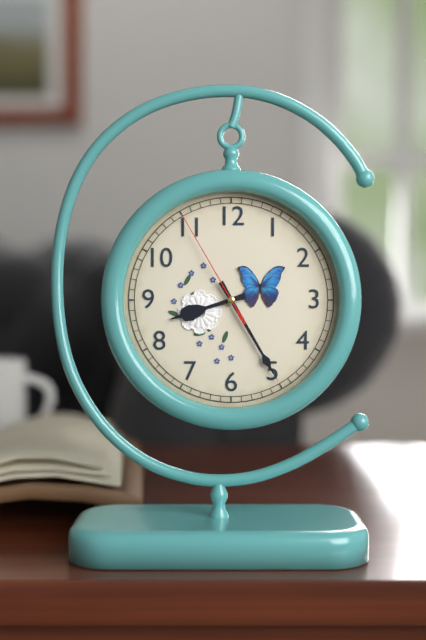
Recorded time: 8:25:55
